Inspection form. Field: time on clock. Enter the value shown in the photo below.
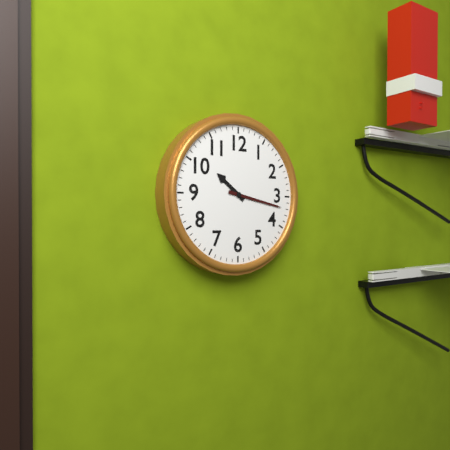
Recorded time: 10:17
